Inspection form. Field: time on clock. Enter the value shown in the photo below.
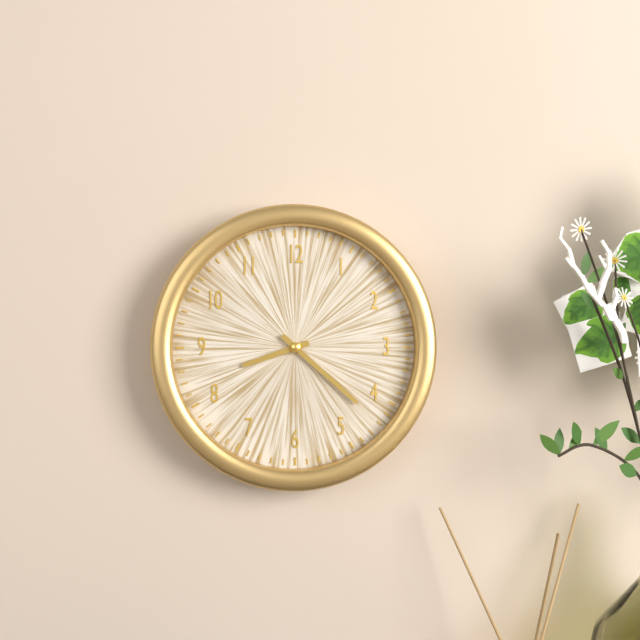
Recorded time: 8:22
